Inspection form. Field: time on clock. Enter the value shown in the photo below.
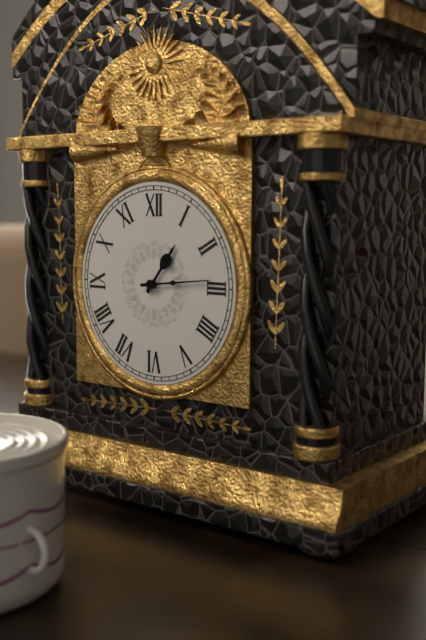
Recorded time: 1:14
